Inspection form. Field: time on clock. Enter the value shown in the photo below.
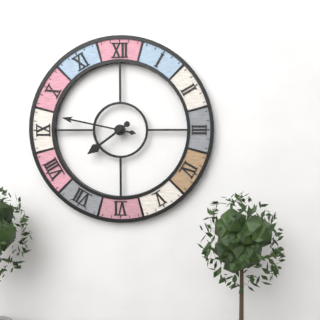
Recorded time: 7:47
